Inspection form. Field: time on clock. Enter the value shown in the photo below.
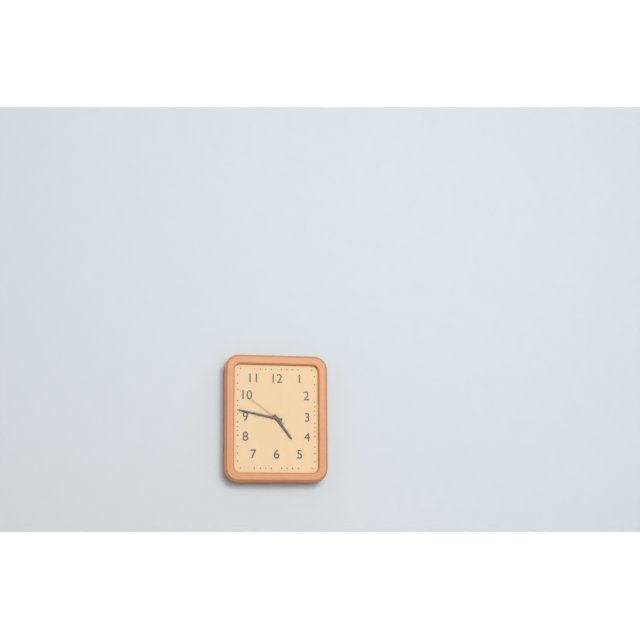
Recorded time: 4:47
